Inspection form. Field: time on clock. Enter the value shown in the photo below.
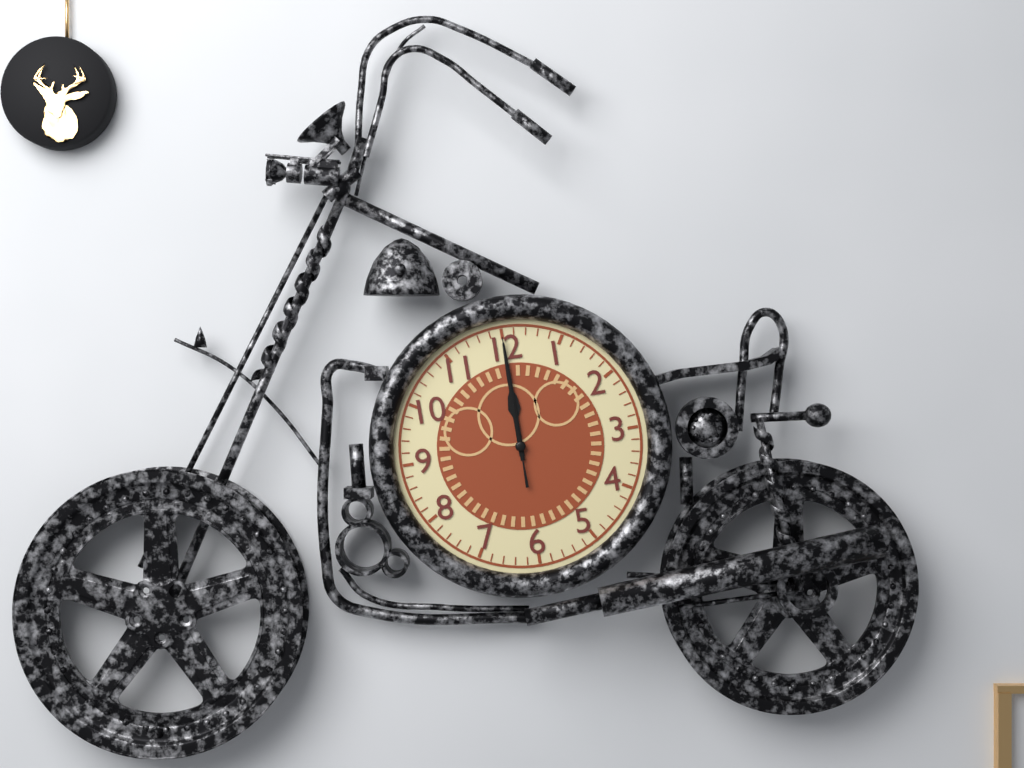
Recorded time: 12:00:00
